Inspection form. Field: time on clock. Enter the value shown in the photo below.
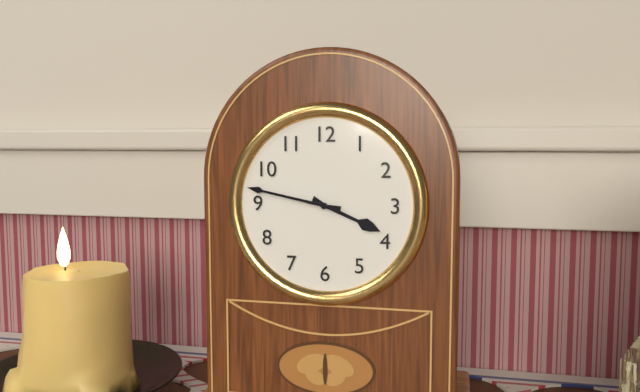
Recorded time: 3:47
